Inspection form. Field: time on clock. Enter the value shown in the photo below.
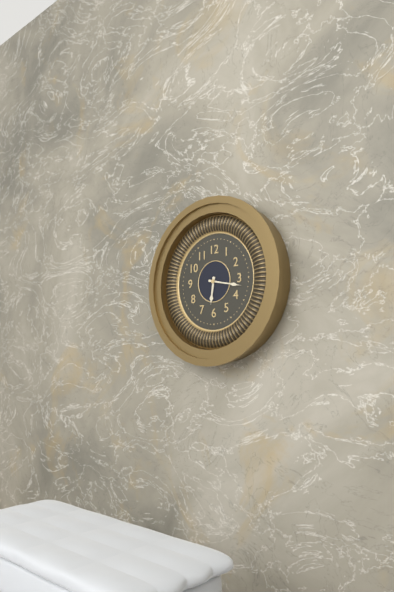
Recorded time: 6:17
